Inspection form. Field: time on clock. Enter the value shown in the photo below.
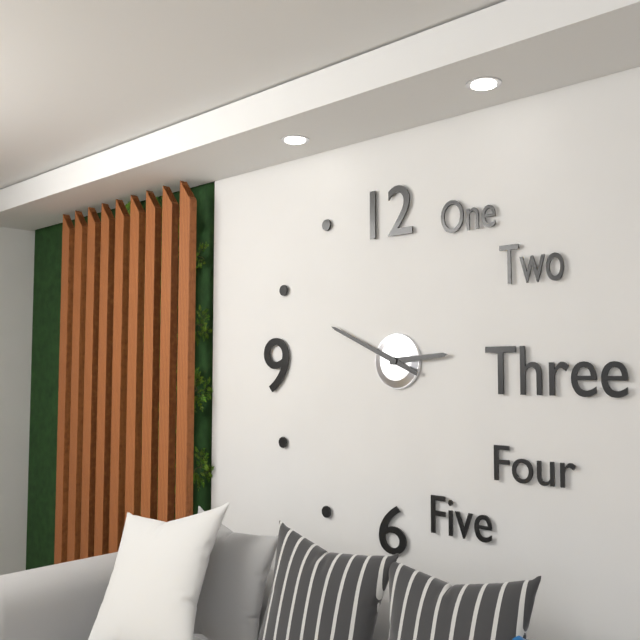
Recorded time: 2:49
